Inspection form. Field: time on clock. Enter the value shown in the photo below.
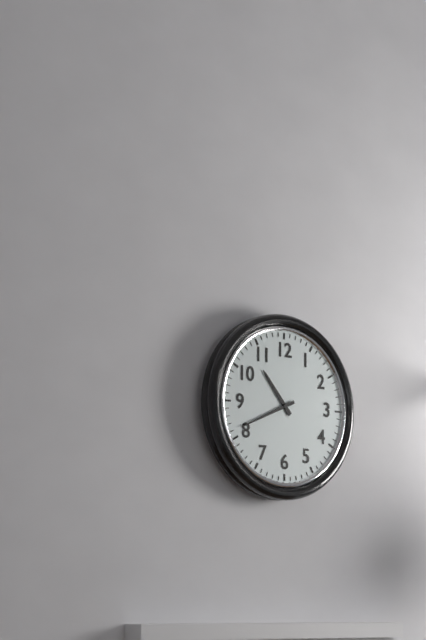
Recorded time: 10:41
